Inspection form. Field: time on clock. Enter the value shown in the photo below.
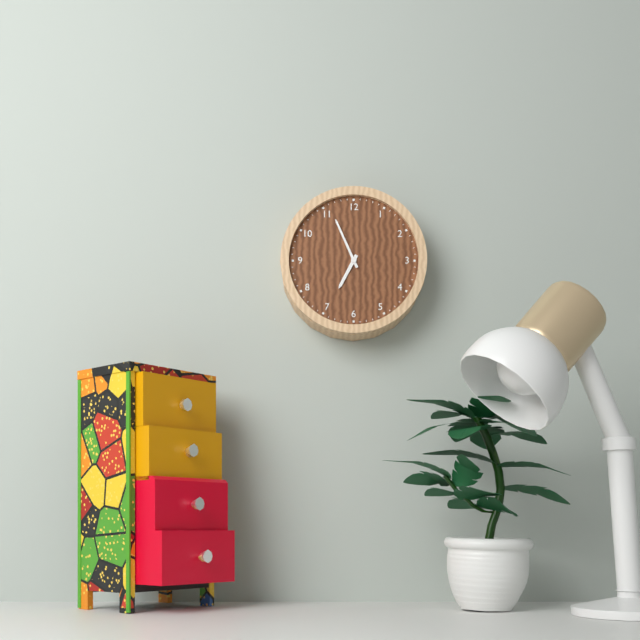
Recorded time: 6:56
